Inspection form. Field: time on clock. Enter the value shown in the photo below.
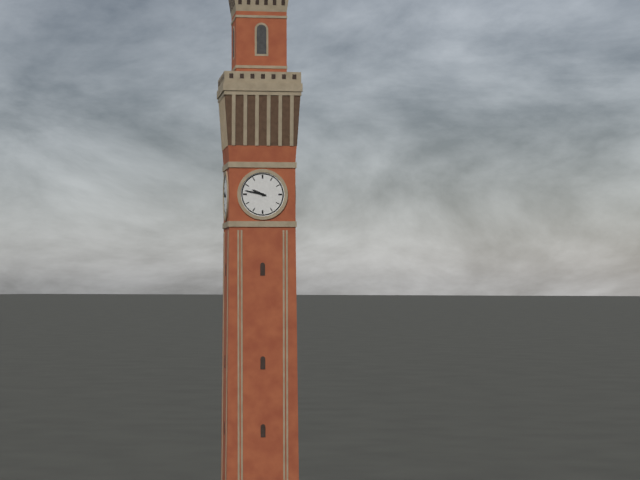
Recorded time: 9:47
